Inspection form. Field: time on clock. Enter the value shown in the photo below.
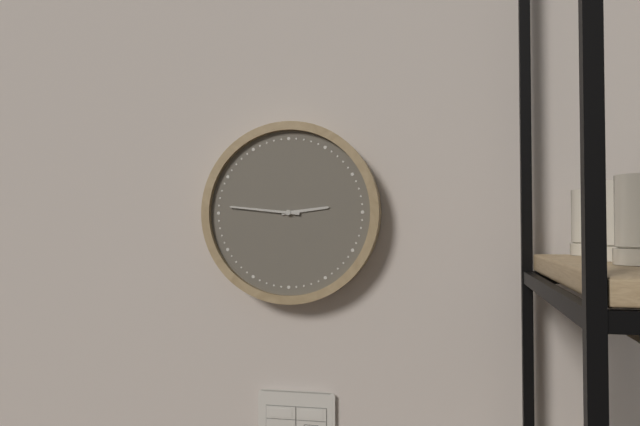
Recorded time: 2:46
